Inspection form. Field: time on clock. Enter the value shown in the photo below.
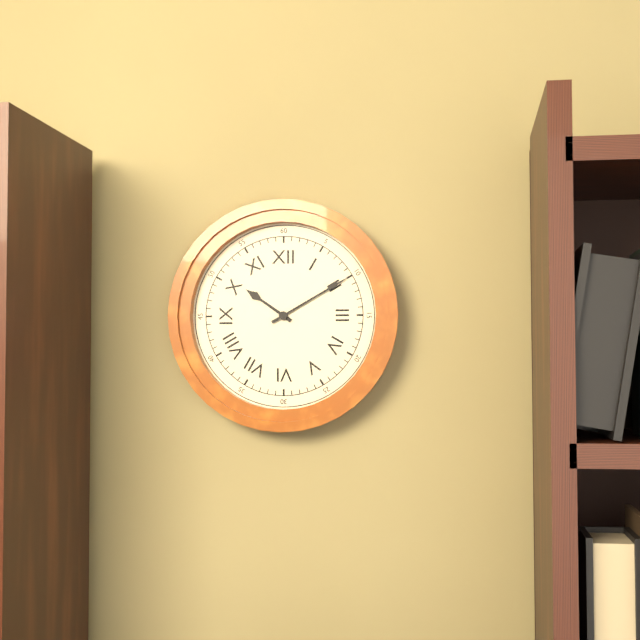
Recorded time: 10:10
